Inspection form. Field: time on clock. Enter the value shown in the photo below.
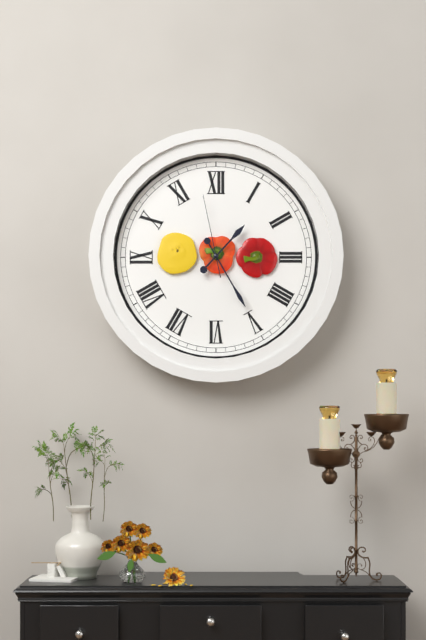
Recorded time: 1:25:58
